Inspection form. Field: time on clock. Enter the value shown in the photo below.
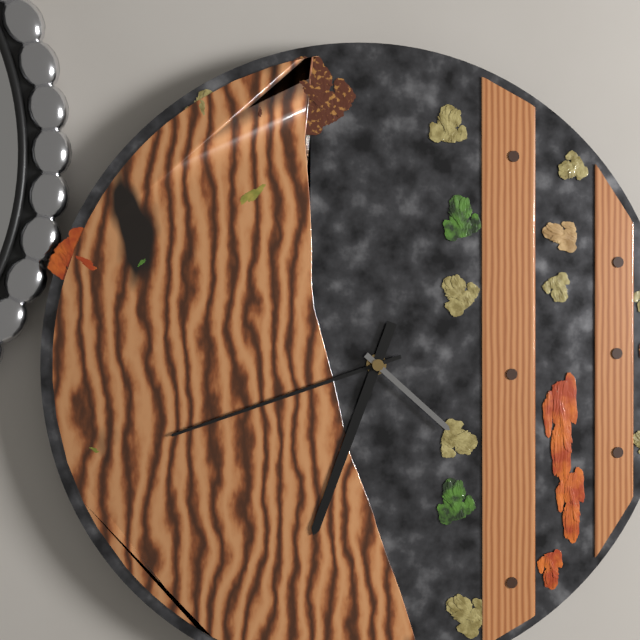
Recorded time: 6:42:22
